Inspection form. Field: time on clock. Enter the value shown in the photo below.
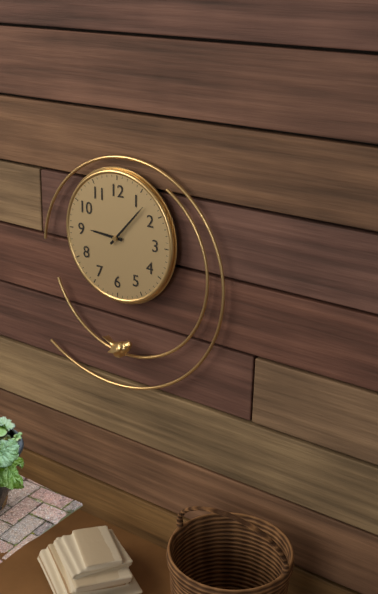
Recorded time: 9:07
